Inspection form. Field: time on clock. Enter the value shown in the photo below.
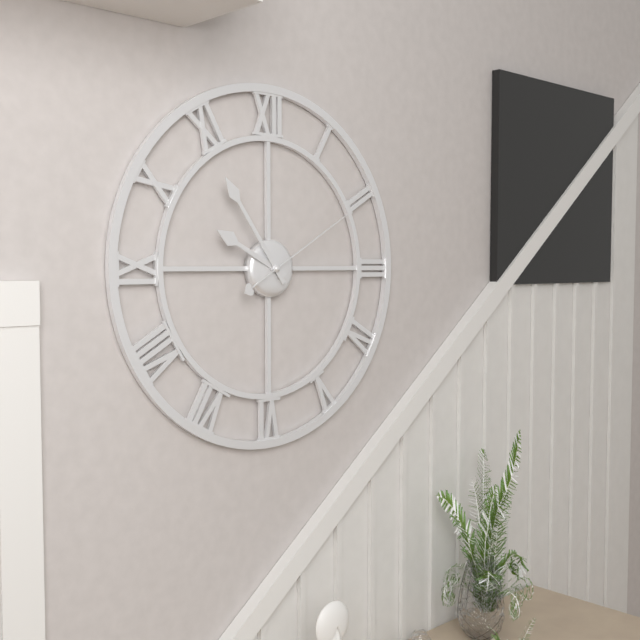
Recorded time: 9:54:10
